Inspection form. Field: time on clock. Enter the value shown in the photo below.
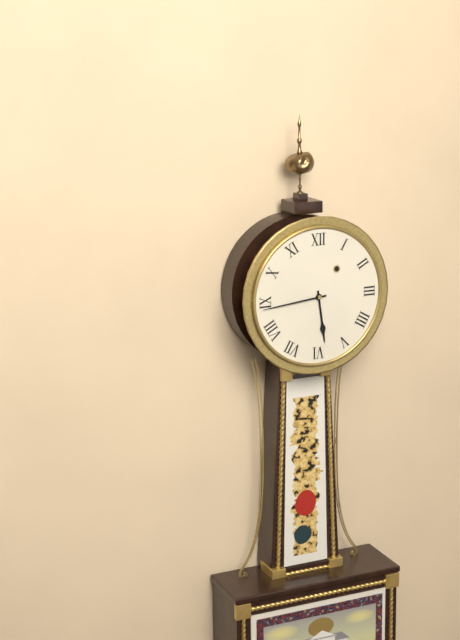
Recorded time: 5:44
